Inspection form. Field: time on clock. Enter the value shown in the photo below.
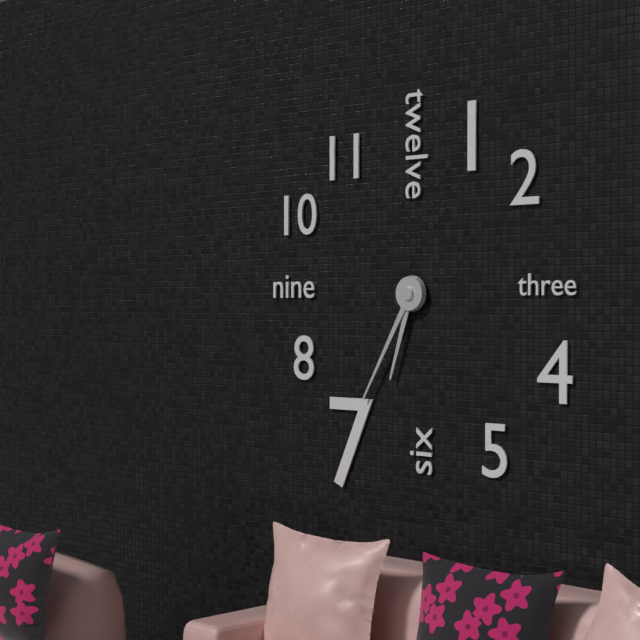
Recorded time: 6:35
